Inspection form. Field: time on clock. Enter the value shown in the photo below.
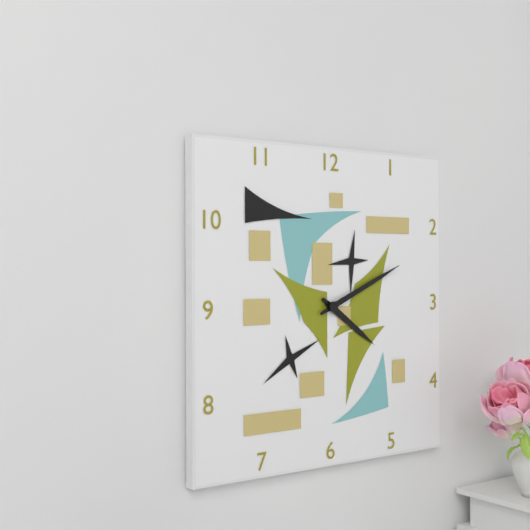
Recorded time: 4:11
